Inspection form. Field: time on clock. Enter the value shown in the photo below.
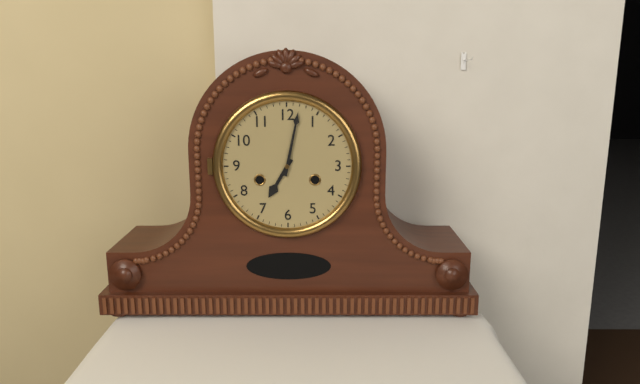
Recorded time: 7:02
